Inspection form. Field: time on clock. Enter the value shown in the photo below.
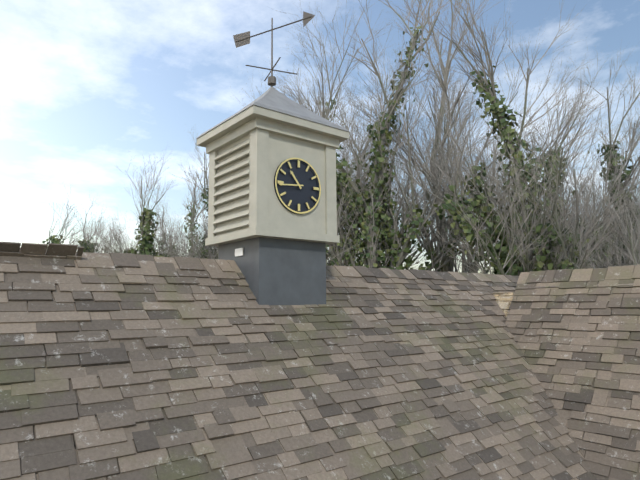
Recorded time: 10:44
